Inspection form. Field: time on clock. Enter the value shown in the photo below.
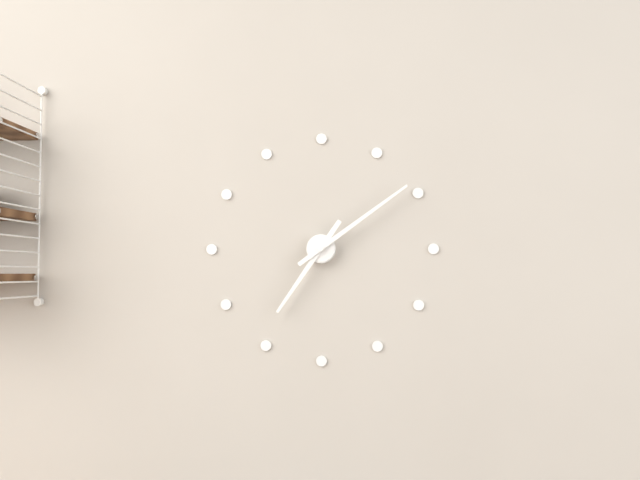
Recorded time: 7:09
